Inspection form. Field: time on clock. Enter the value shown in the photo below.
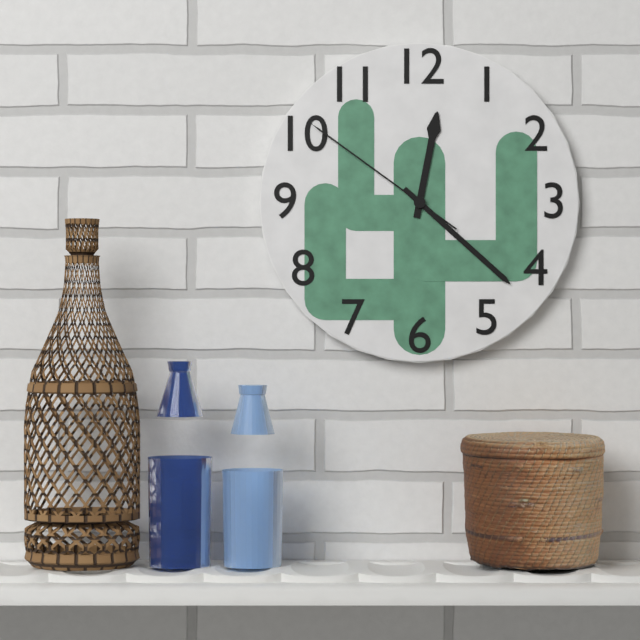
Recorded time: 12:22:51
